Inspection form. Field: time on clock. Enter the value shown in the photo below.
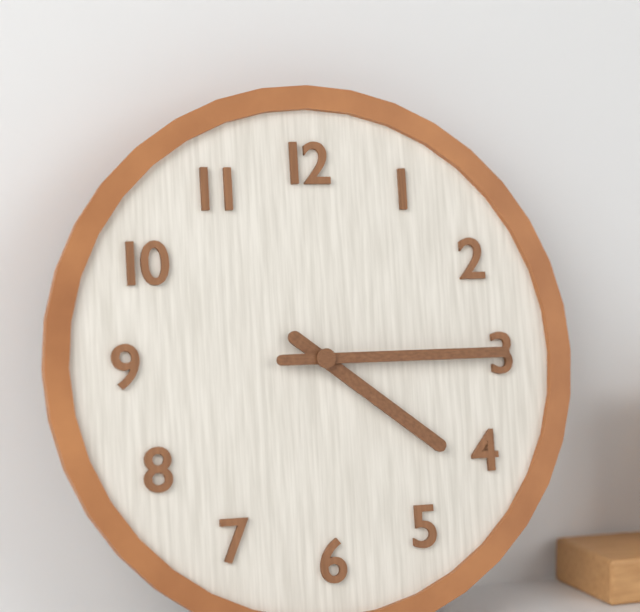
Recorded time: 4:15
